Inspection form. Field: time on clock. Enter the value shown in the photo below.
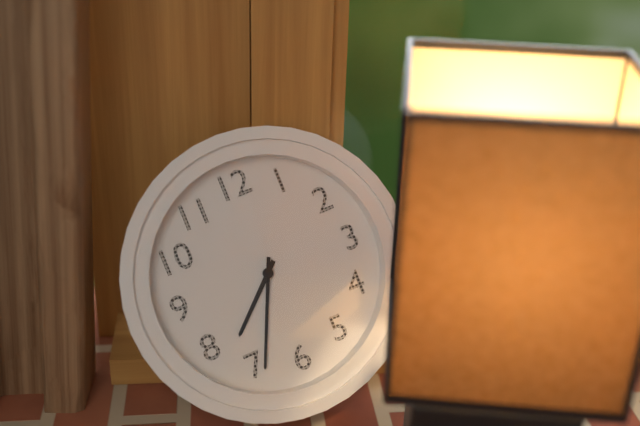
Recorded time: 7:34
